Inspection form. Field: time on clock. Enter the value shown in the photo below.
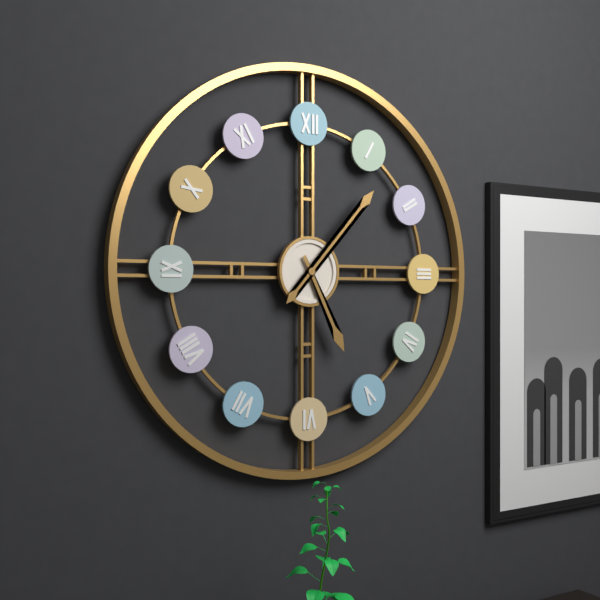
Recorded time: 5:07
